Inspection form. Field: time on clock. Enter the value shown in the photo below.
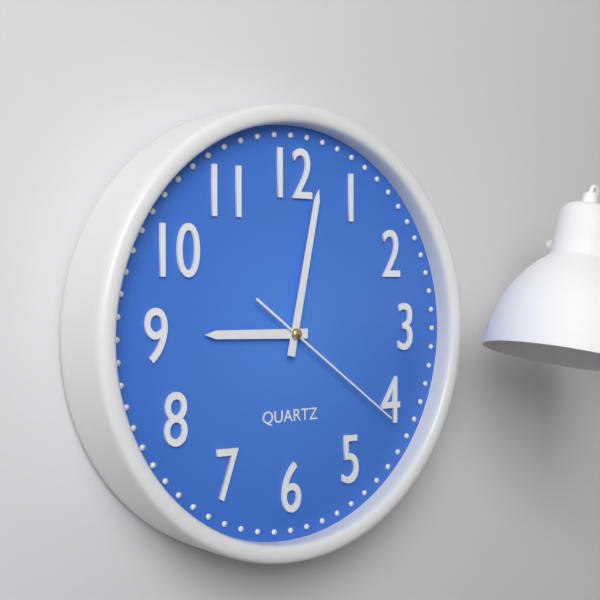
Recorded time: 9:02:21
